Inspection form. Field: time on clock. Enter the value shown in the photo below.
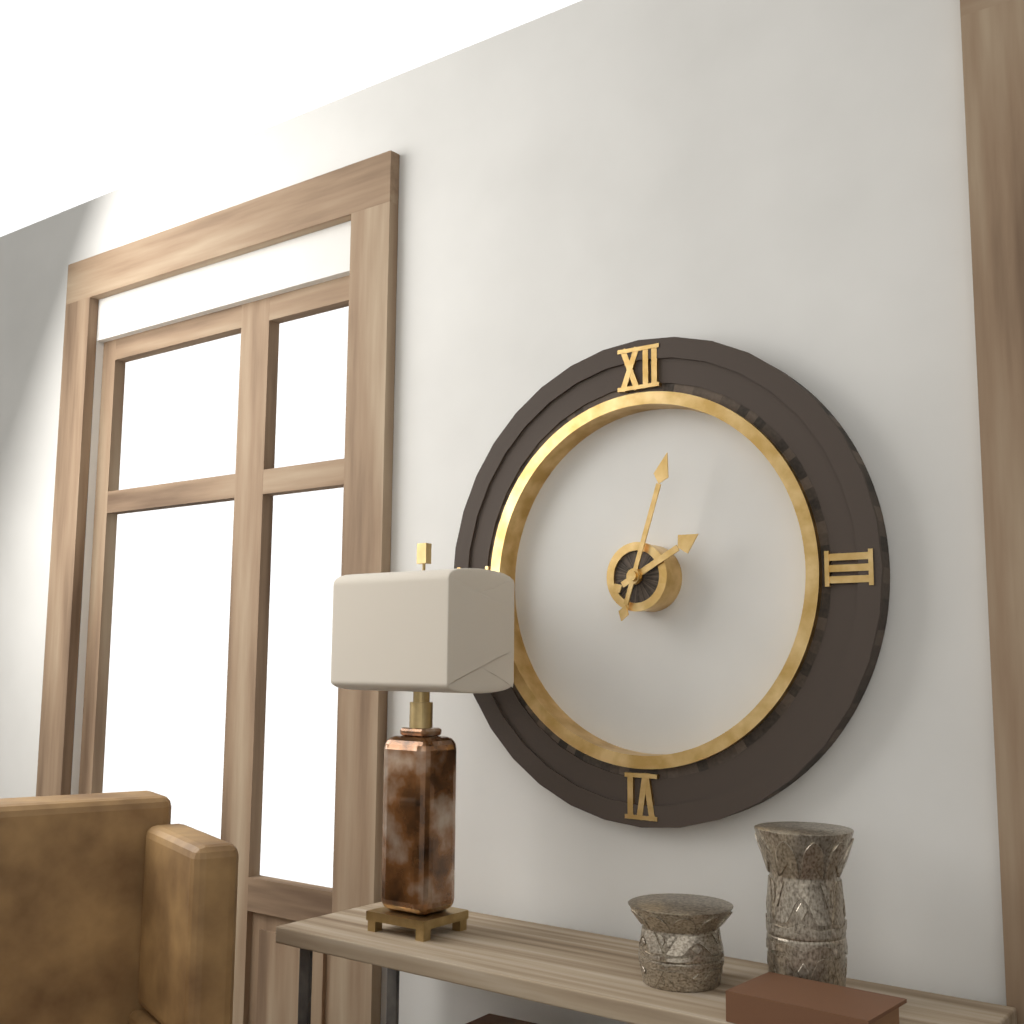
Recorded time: 2:03
